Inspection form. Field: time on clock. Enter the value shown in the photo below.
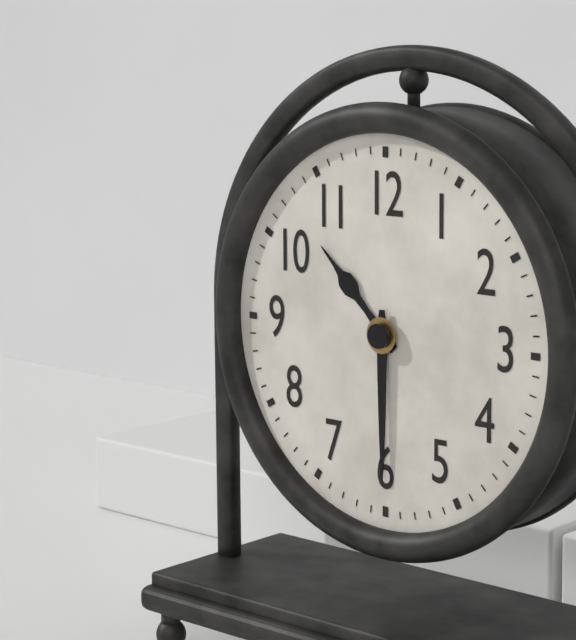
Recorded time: 10:30
